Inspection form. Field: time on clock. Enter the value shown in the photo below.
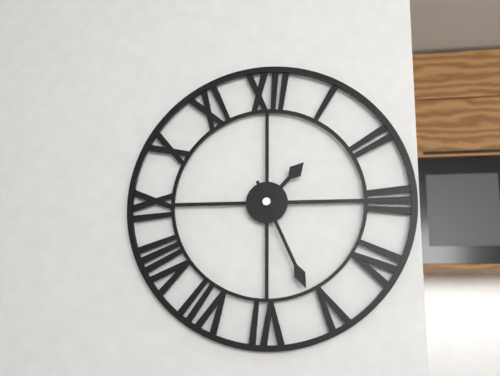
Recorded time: 1:26
